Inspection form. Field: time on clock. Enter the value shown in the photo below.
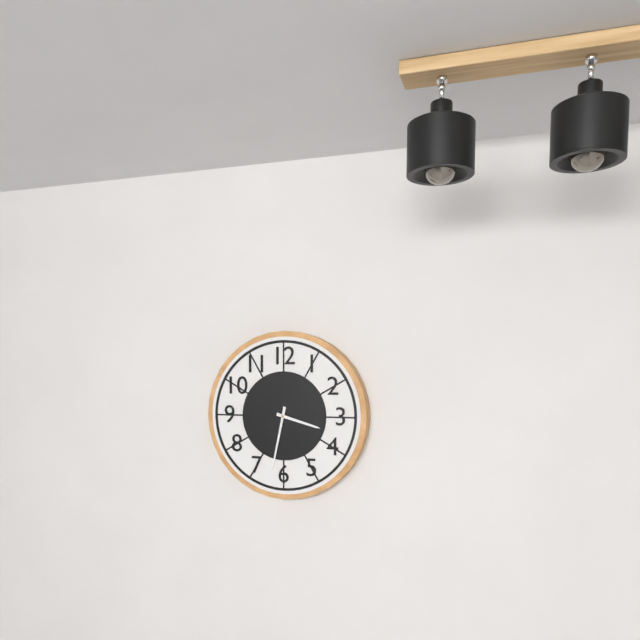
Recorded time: 3:32
